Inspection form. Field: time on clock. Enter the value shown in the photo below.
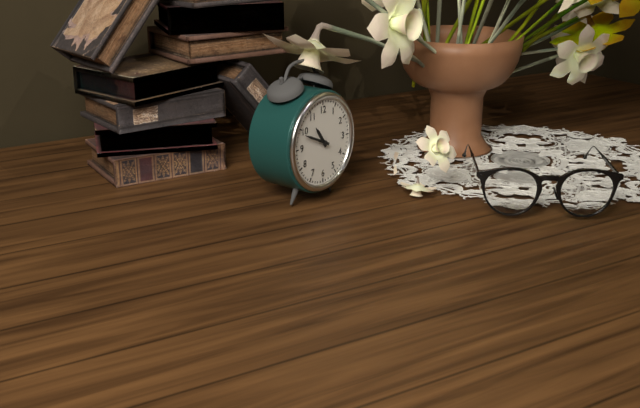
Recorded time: 10:49
